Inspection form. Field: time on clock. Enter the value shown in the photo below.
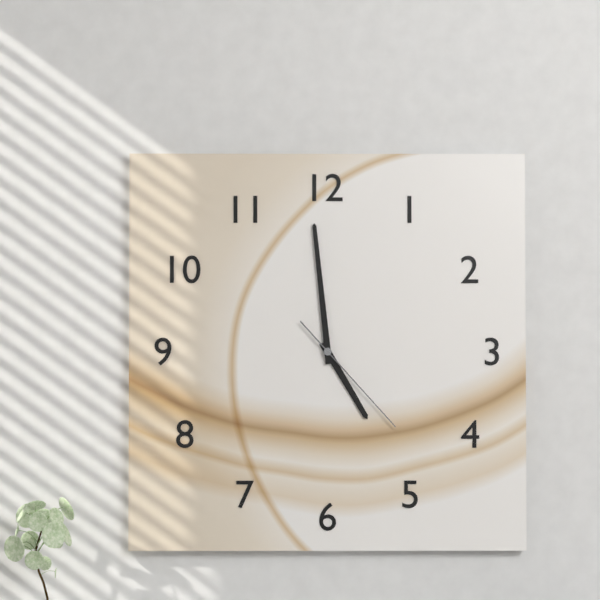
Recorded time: 4:59:23
